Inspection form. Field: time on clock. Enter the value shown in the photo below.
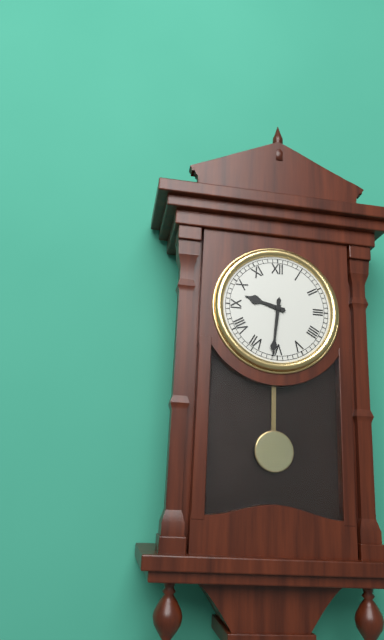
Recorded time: 9:31
